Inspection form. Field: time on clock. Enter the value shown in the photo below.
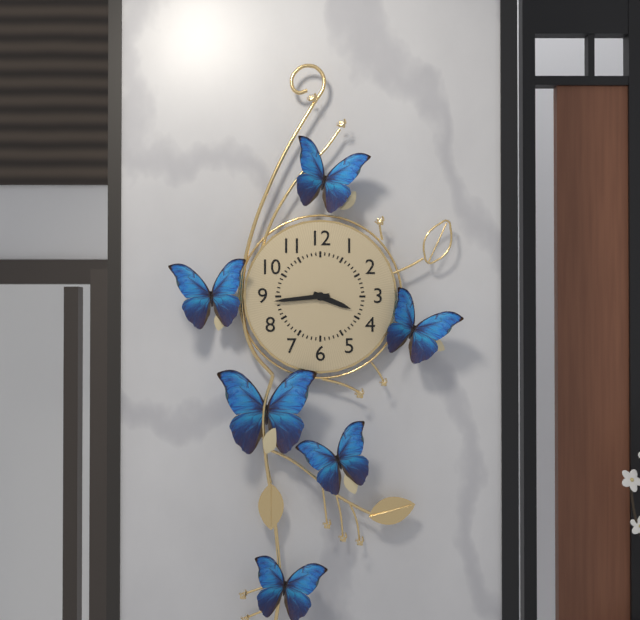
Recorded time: 3:44
